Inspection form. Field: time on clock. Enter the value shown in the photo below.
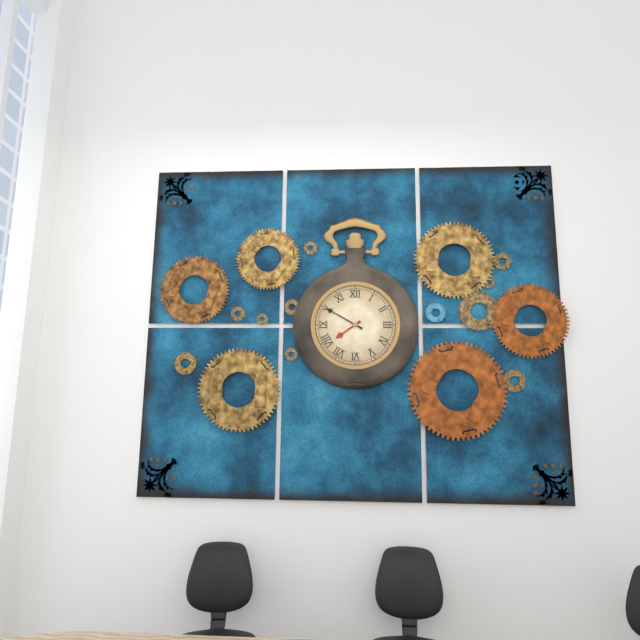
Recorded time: 7:50
